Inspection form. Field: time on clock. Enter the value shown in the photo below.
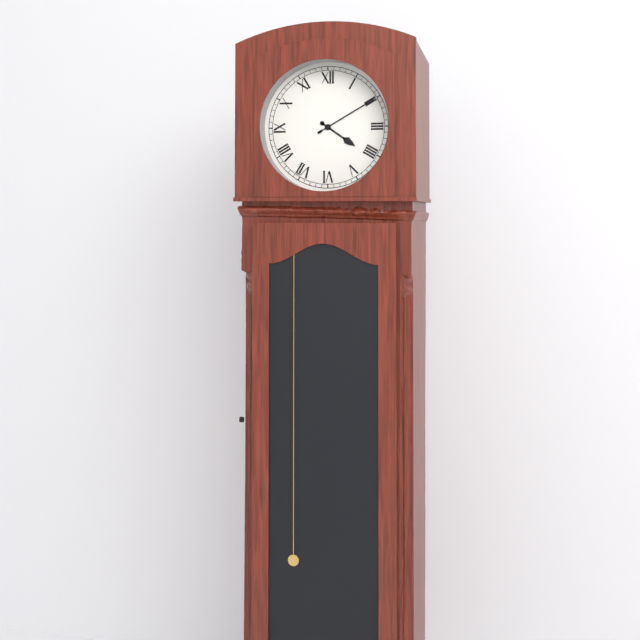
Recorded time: 4:10
